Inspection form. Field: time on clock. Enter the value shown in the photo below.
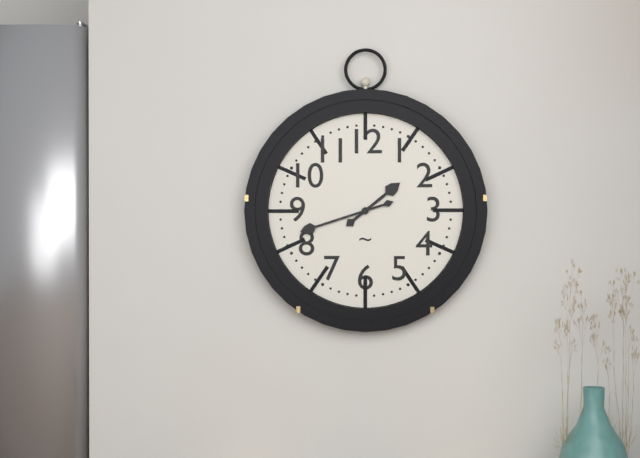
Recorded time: 1:42
